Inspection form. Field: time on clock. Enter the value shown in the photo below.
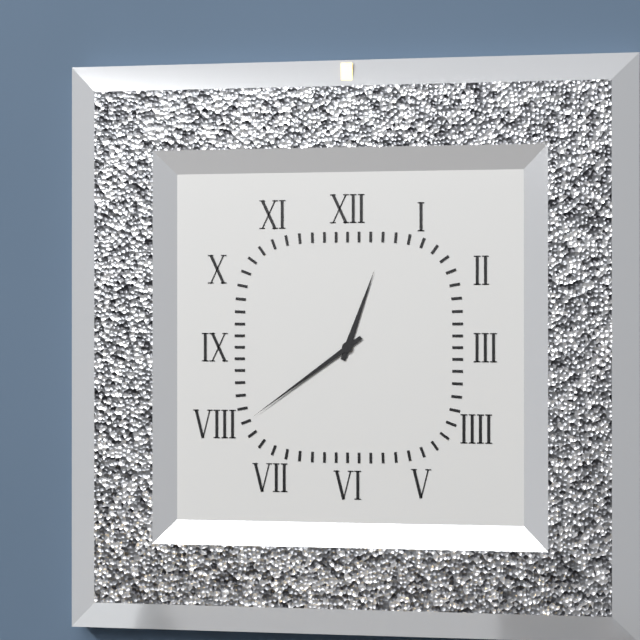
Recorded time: 12:39
